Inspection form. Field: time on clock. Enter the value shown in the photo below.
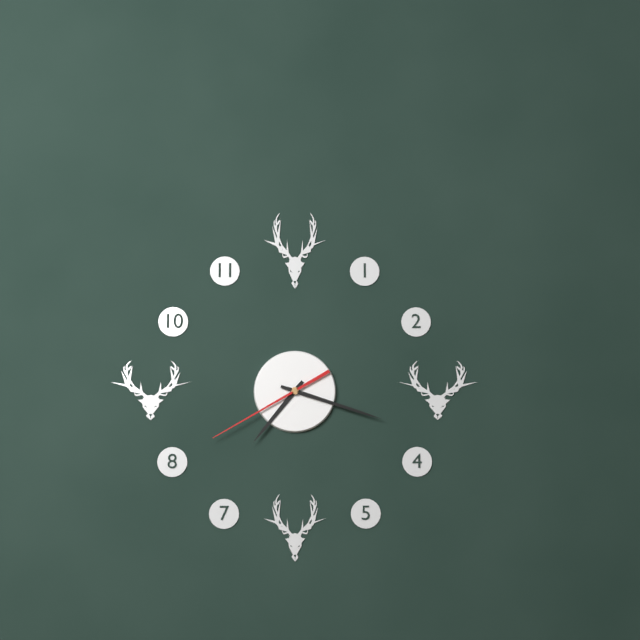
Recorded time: 7:18:40
